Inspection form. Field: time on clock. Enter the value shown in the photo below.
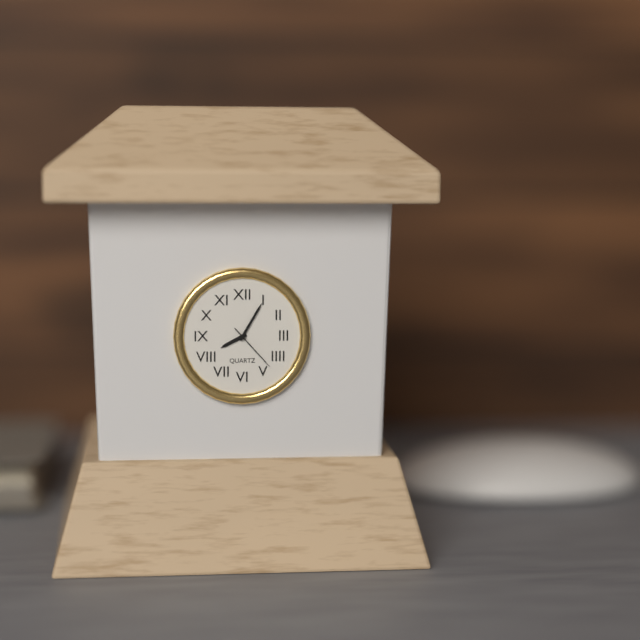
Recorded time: 8:05:23
